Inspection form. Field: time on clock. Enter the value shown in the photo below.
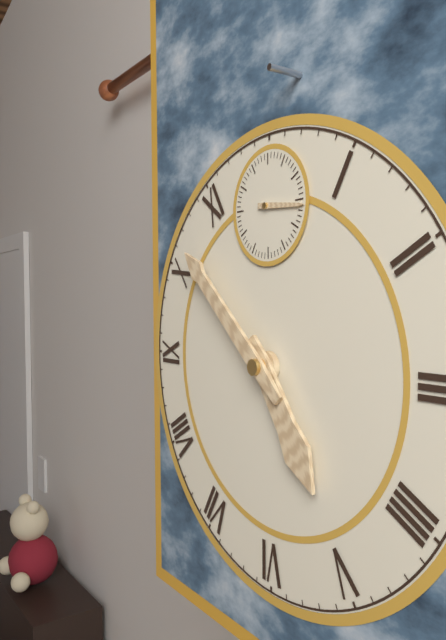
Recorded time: 4:52
